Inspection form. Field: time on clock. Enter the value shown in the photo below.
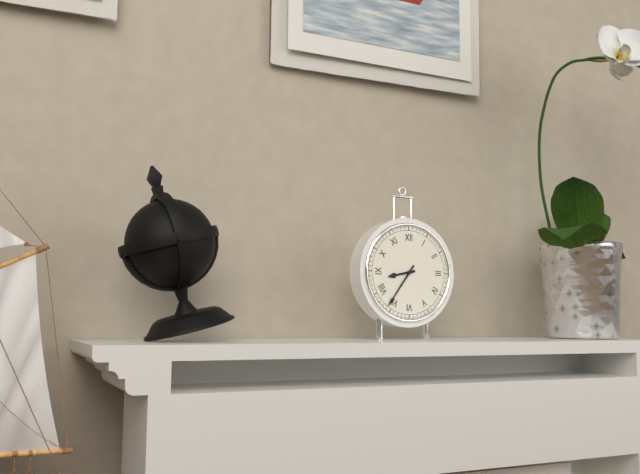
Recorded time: 8:36
